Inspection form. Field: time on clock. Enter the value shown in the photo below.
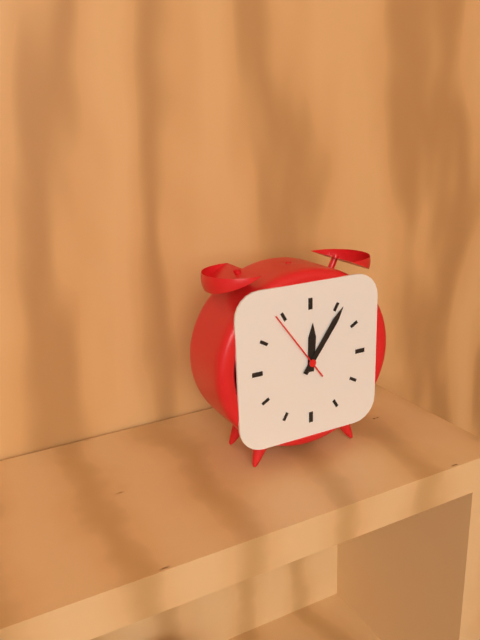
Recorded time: 12:06:54
